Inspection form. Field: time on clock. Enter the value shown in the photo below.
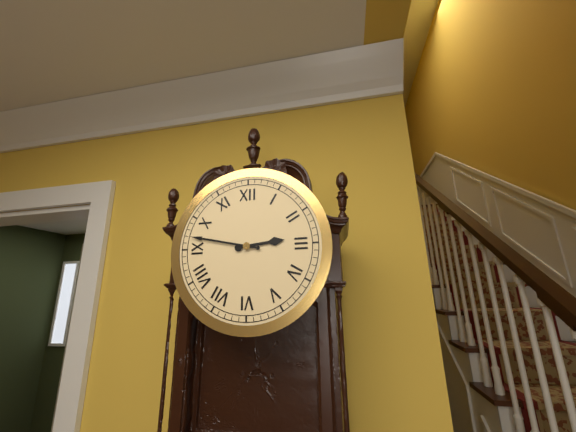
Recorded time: 2:47
